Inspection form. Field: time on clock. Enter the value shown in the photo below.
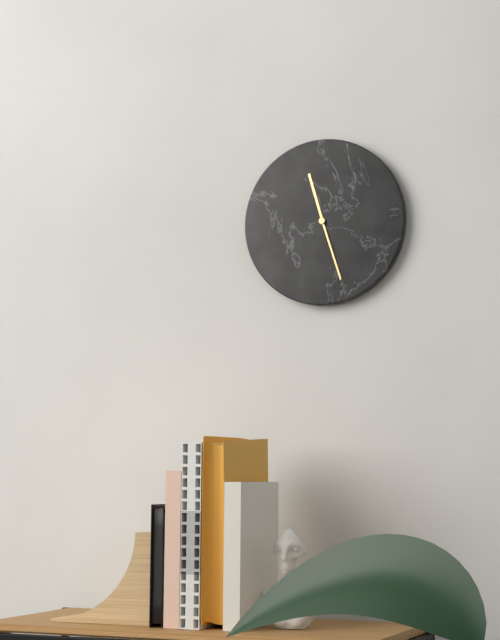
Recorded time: 11:27
